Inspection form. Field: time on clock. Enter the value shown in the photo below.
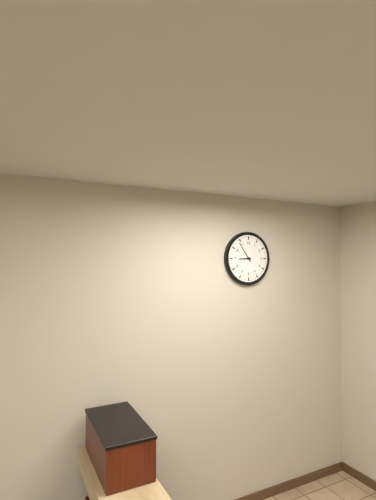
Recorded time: 8:54
